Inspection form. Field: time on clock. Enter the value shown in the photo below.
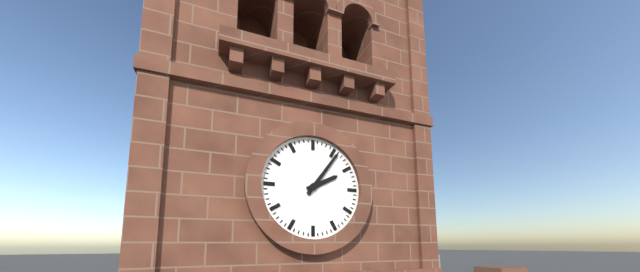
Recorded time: 2:06
